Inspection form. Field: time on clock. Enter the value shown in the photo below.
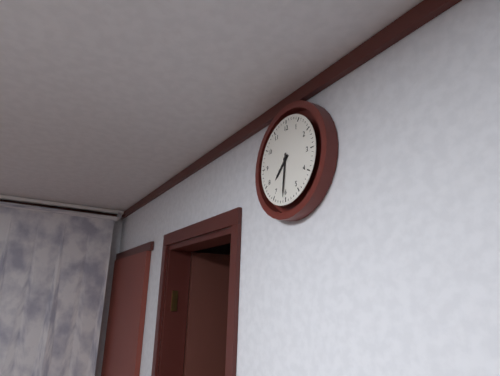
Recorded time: 7:31
